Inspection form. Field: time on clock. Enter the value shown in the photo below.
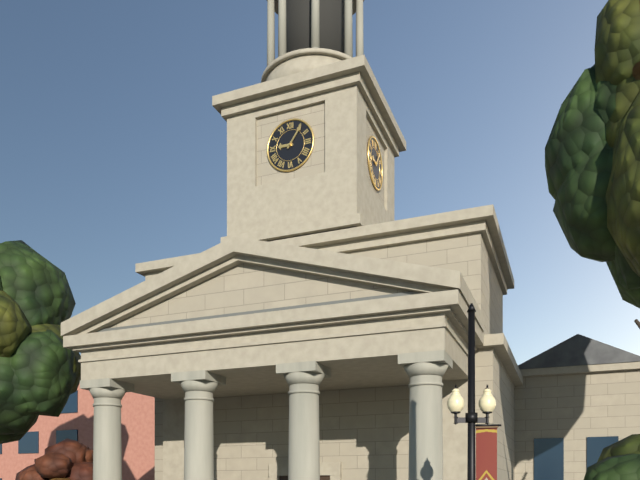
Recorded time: 9:06
